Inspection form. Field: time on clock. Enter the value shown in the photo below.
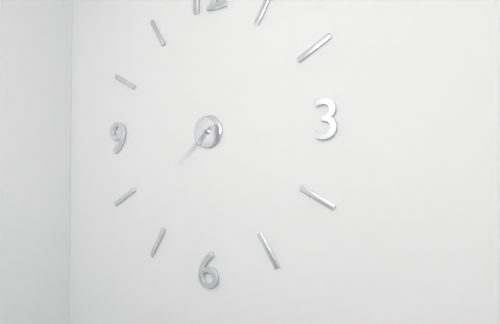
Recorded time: 7:38
